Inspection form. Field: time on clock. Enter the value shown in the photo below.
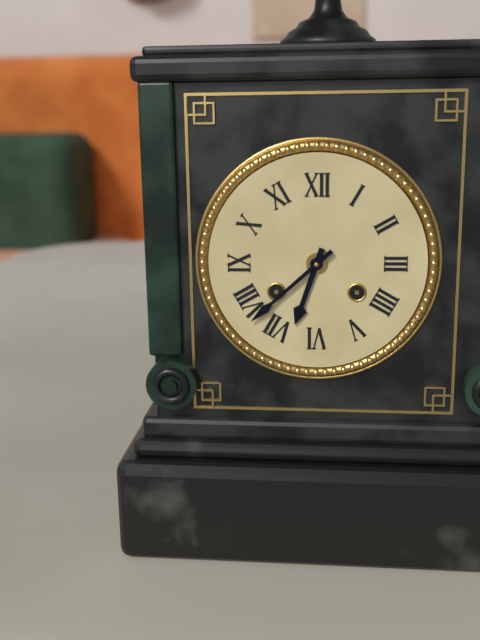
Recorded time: 6:38
